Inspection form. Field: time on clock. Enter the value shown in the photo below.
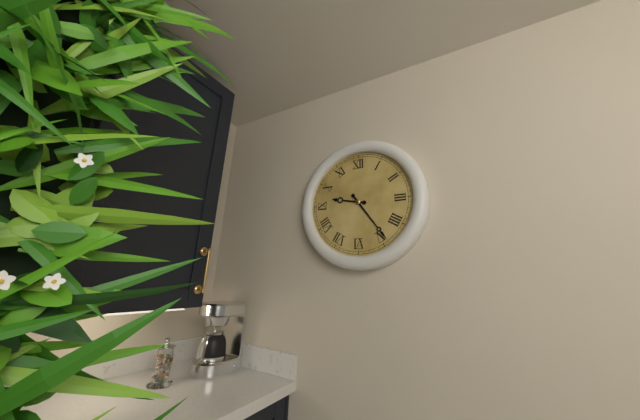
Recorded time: 9:24
